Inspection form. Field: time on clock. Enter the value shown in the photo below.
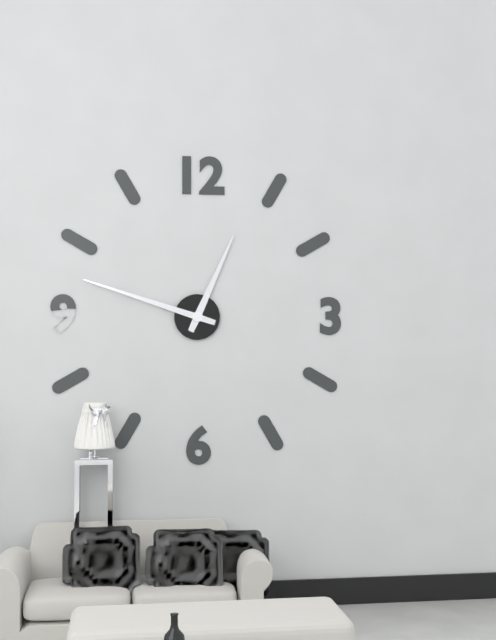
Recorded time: 12:48
